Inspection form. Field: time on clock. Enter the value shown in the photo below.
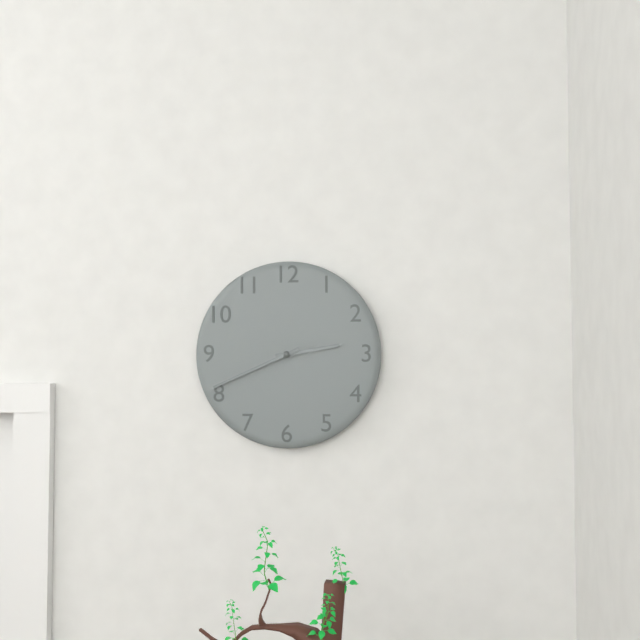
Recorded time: 2:41
